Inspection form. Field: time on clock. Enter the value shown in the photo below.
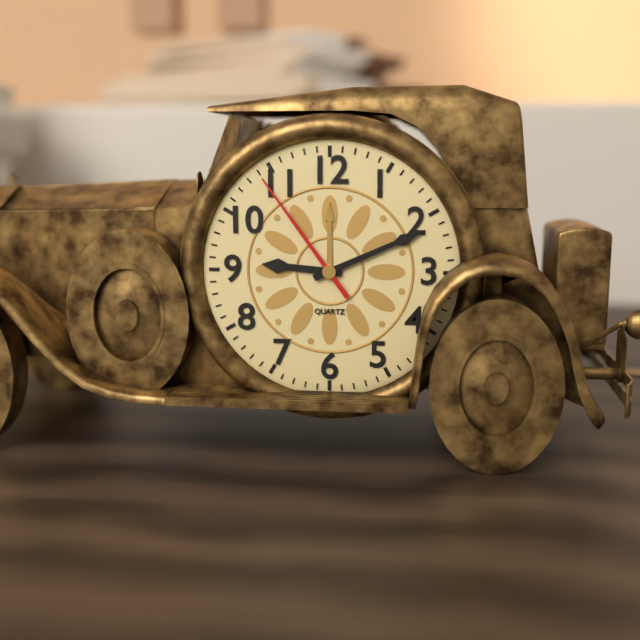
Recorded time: 9:11:54
